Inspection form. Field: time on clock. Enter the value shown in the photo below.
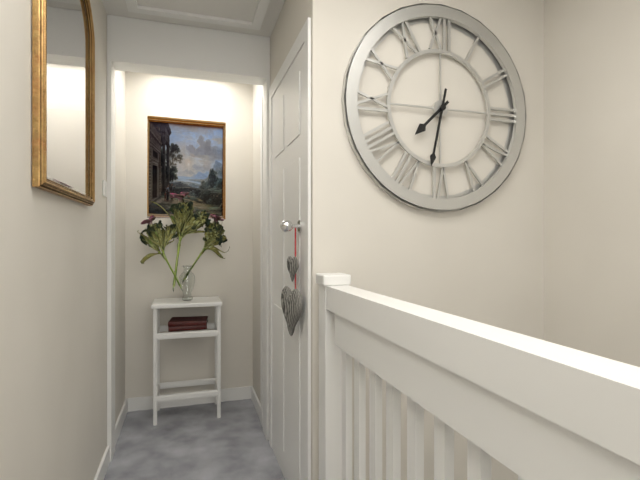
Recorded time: 7:32
